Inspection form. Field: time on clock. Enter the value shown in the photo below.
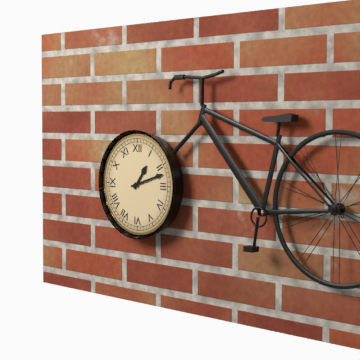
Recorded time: 1:12
